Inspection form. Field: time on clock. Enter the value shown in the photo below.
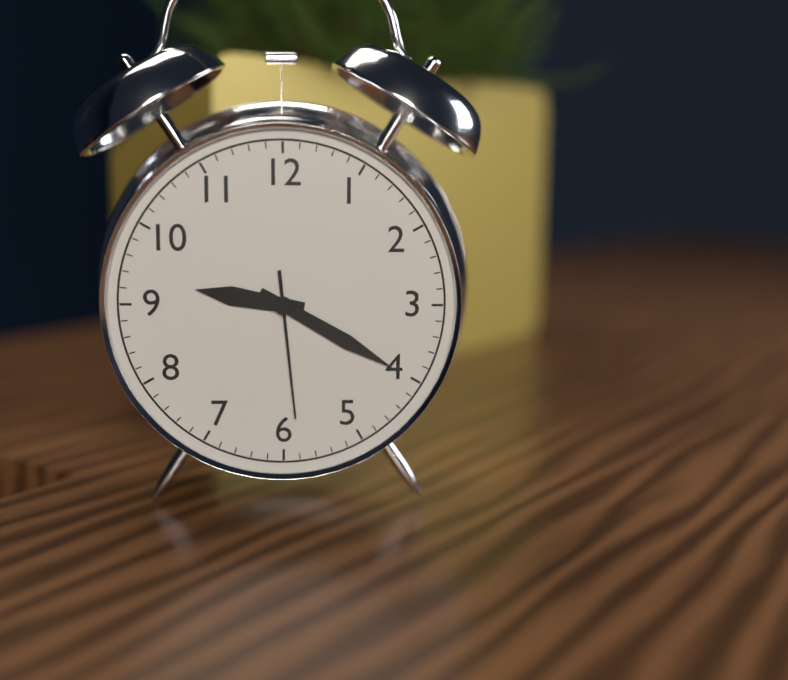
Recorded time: 9:20:29
